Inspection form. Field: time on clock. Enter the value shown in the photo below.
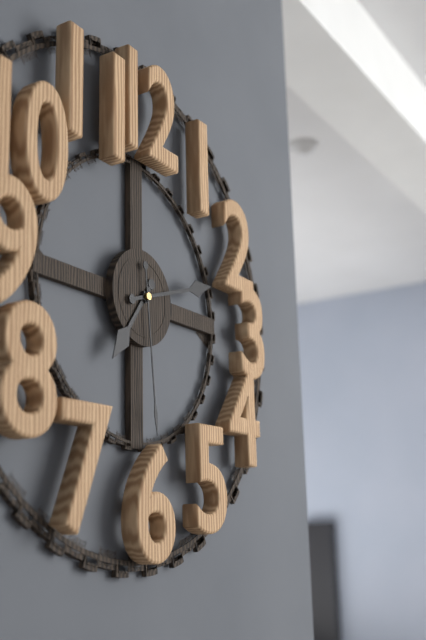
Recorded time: 7:12:29
